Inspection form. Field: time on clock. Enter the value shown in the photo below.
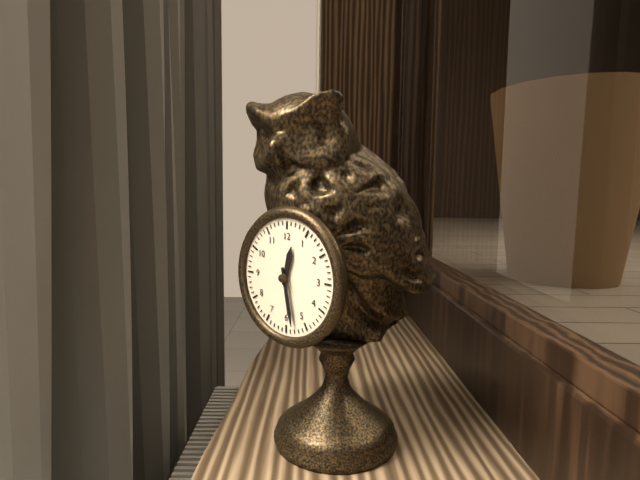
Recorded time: 12:28
